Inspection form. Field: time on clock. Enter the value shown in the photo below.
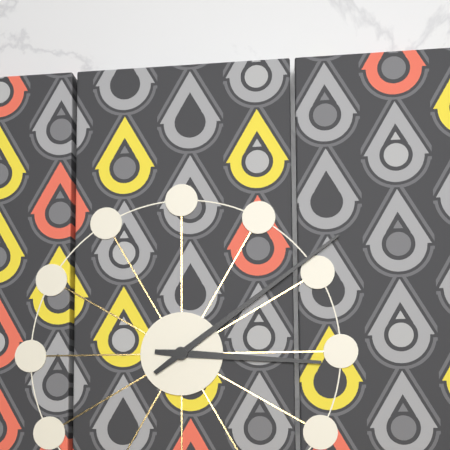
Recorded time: 3:09
